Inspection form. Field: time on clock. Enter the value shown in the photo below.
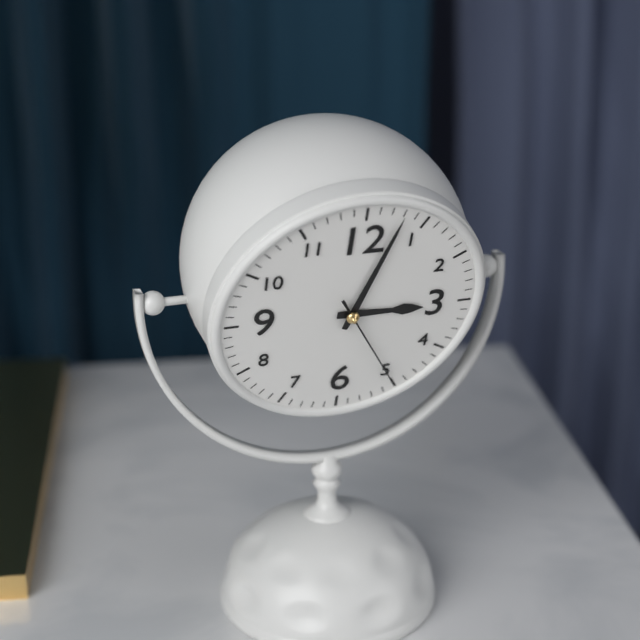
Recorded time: 3:03:25
